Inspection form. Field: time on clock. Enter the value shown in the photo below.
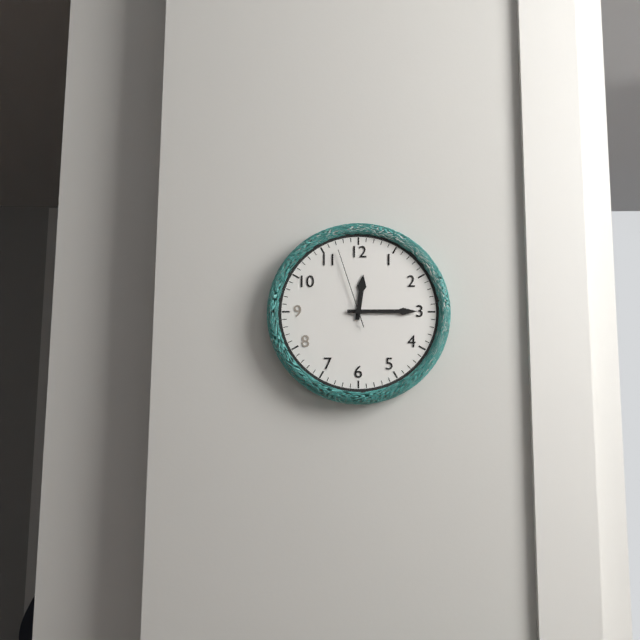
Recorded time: 12:15:57
